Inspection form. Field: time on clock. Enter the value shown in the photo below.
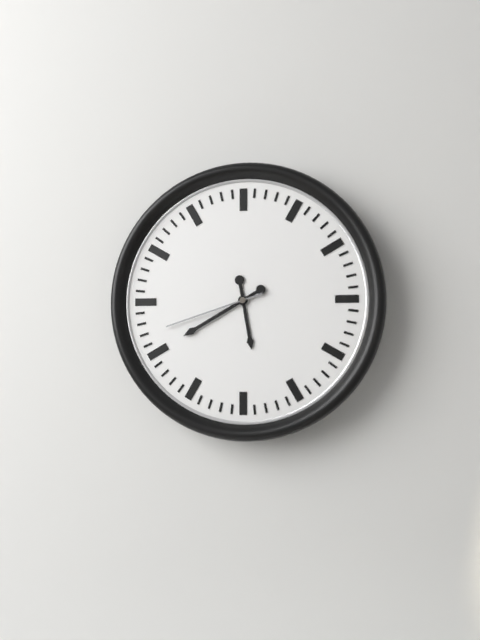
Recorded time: 5:40:42
